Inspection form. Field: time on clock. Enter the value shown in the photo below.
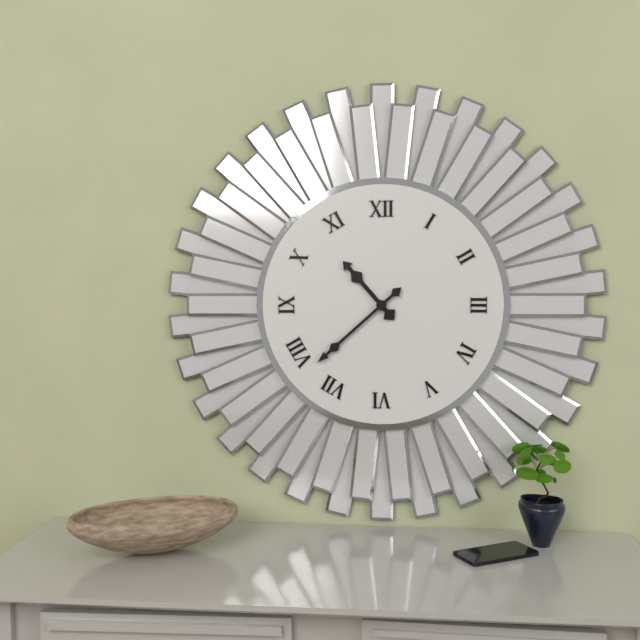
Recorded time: 10:38
